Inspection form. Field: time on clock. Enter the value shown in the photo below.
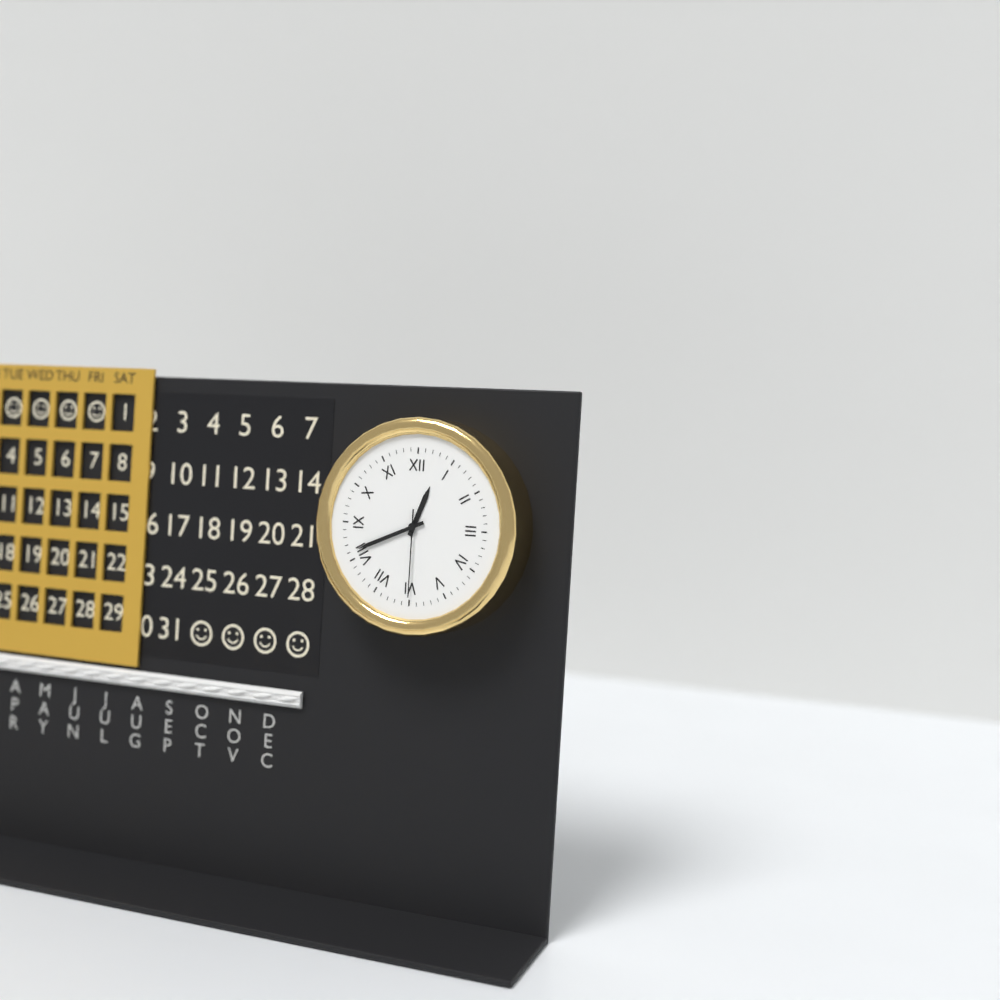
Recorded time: 12:41:30
